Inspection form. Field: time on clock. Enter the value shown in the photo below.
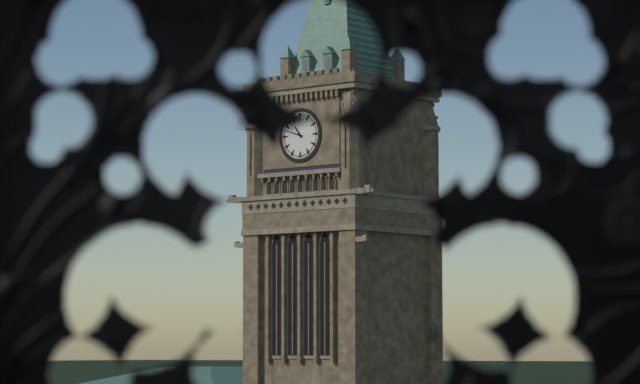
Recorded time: 10:48
